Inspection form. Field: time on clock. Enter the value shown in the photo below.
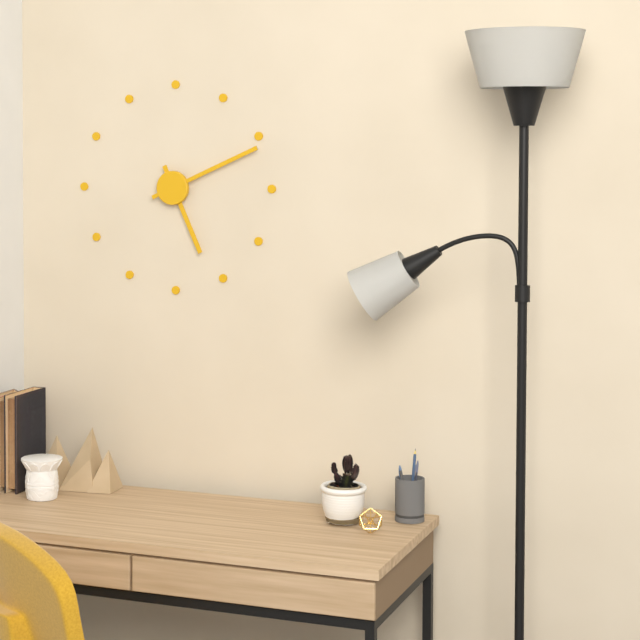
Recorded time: 5:11
